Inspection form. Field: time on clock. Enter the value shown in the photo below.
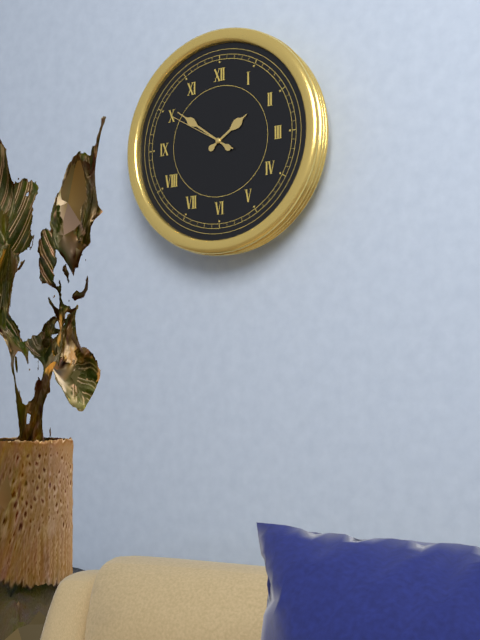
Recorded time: 1:51:50
